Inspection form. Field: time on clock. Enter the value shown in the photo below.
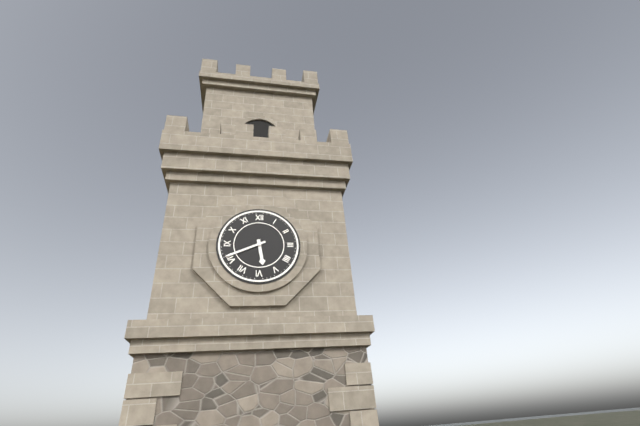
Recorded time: 5:41
